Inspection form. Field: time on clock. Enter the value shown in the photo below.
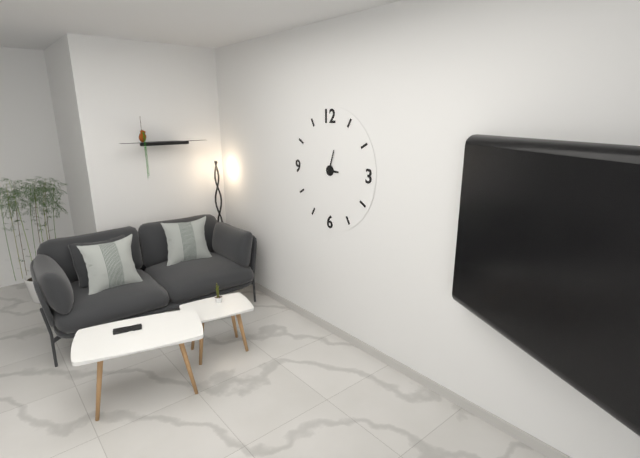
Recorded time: 3:03
